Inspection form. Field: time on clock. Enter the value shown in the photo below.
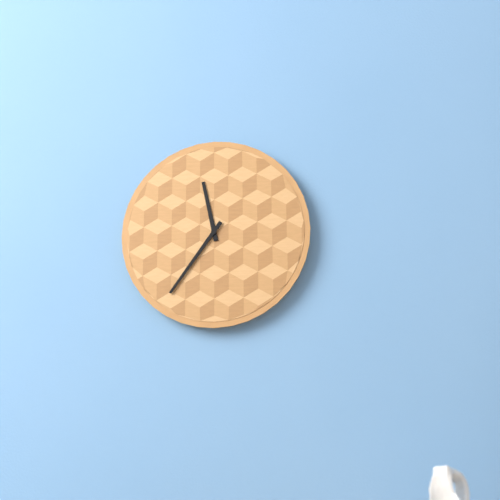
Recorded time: 11:36
